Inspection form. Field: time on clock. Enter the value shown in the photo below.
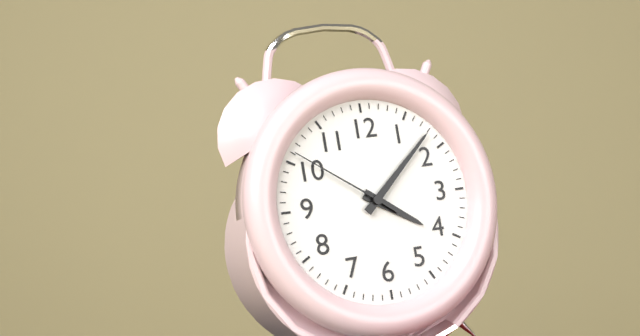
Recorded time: 4:08:51
